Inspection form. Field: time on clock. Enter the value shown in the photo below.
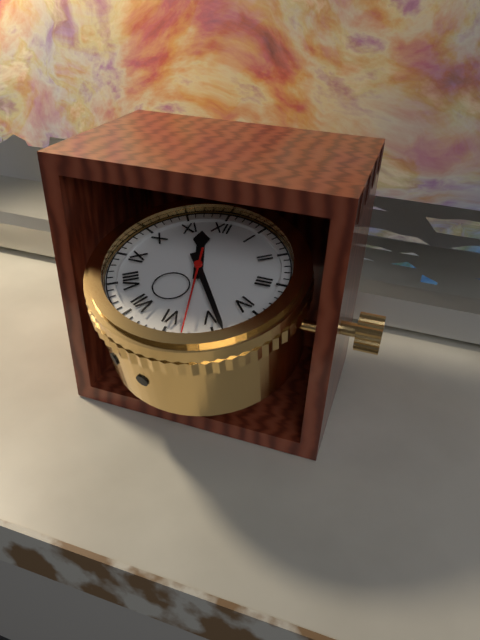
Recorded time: 11:24:28
